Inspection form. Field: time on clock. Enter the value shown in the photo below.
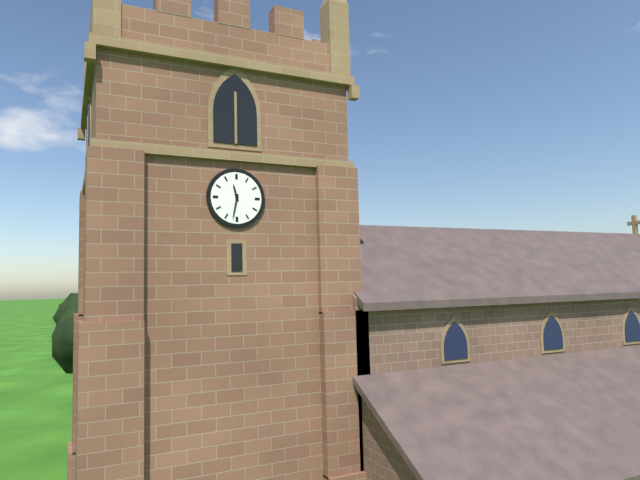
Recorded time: 11:32
